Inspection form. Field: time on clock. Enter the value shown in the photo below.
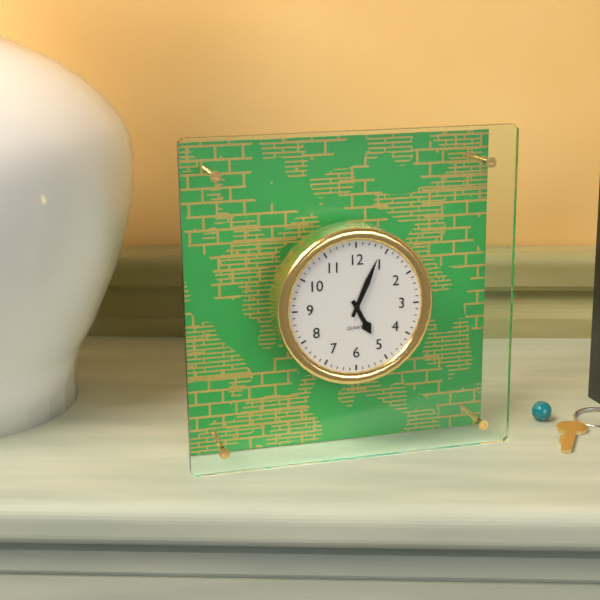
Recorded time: 5:04
